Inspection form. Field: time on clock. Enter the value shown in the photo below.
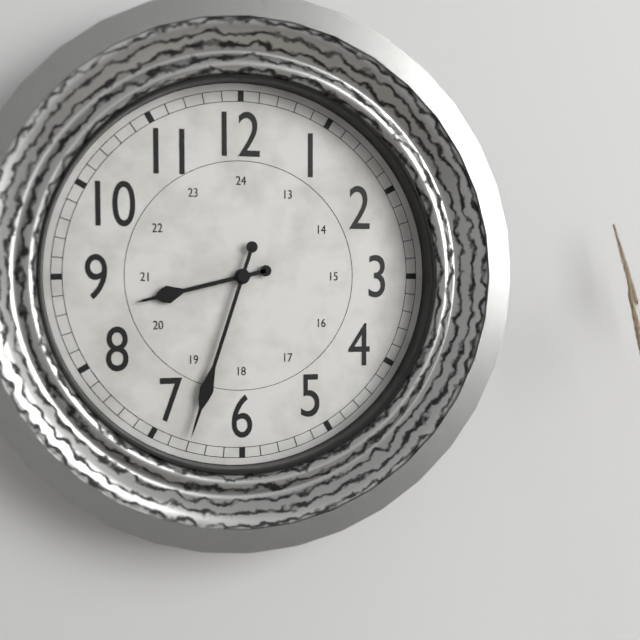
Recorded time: 8:33
